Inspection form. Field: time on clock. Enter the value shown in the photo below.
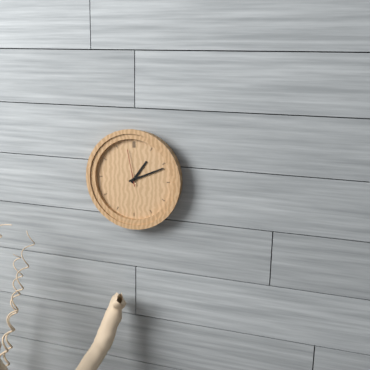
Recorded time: 1:11
